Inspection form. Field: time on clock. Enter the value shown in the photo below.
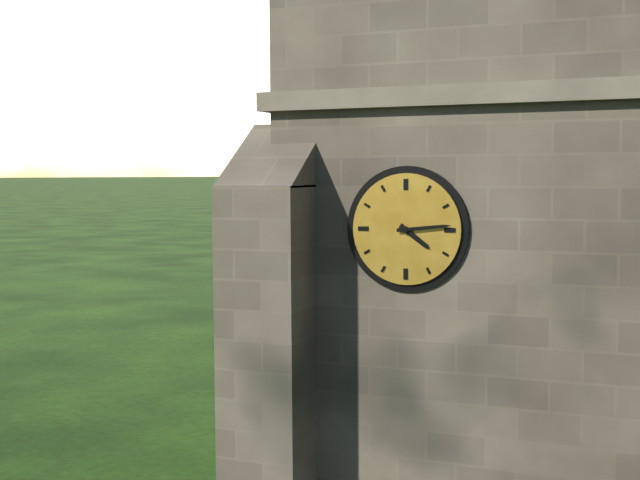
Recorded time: 4:14
